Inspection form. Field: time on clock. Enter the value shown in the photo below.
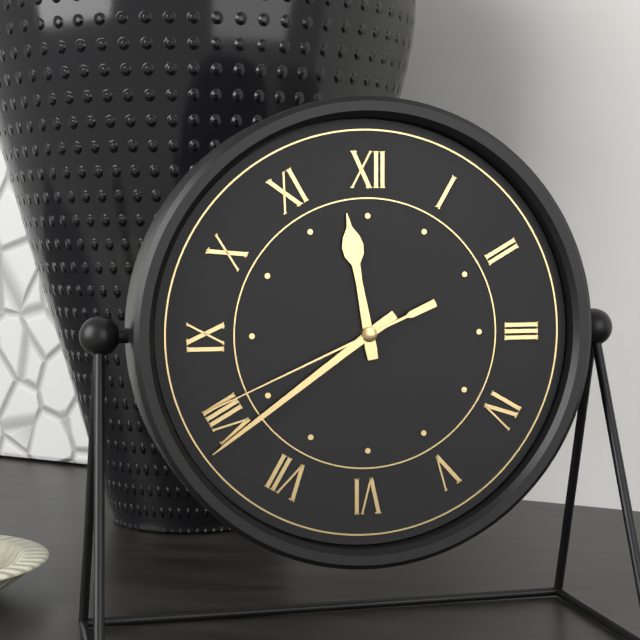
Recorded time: 11:39:41
